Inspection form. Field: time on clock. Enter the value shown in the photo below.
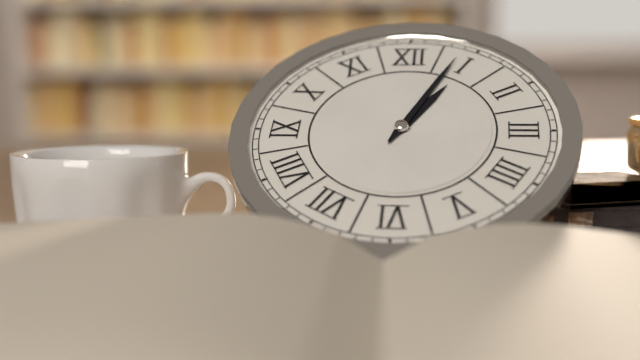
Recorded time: 1:04
